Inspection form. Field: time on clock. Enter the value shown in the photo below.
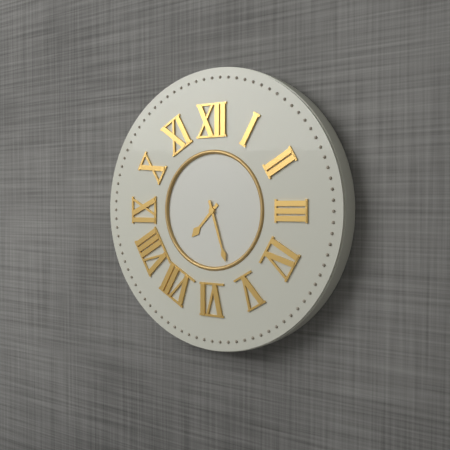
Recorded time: 7:27
